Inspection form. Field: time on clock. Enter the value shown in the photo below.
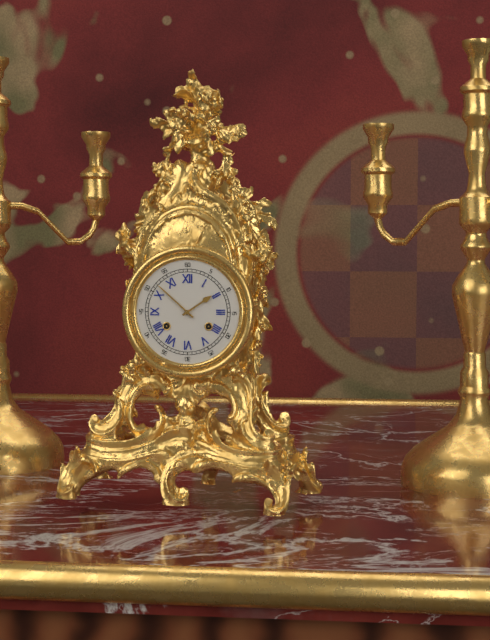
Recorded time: 1:52
